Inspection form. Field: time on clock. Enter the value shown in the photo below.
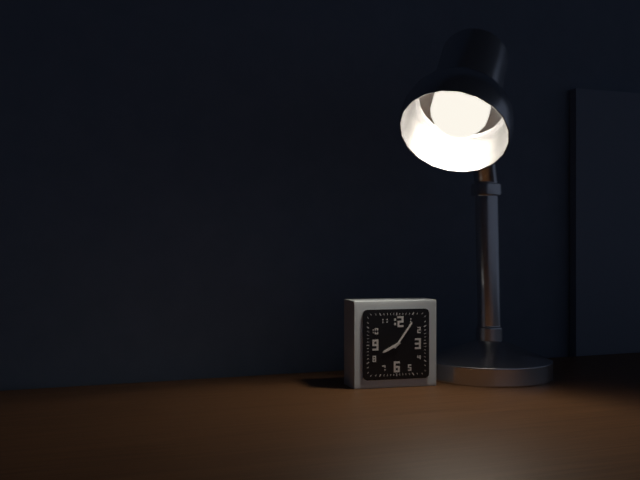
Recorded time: 8:06
